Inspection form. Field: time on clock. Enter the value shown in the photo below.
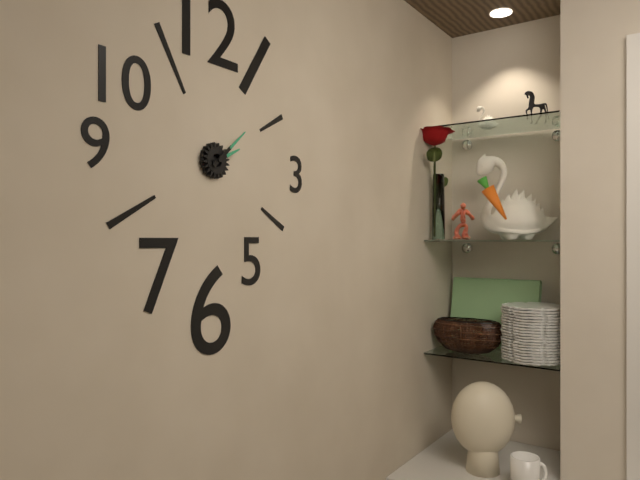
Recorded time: 2:08
